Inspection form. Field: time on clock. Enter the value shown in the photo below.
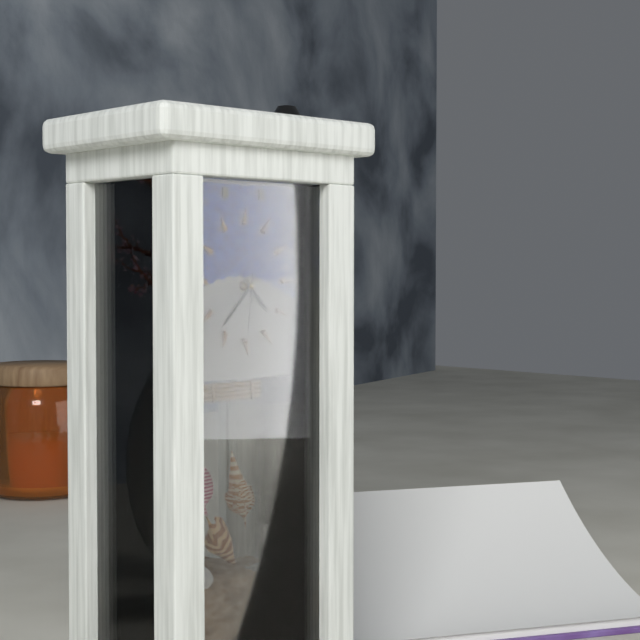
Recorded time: 4:37:31
